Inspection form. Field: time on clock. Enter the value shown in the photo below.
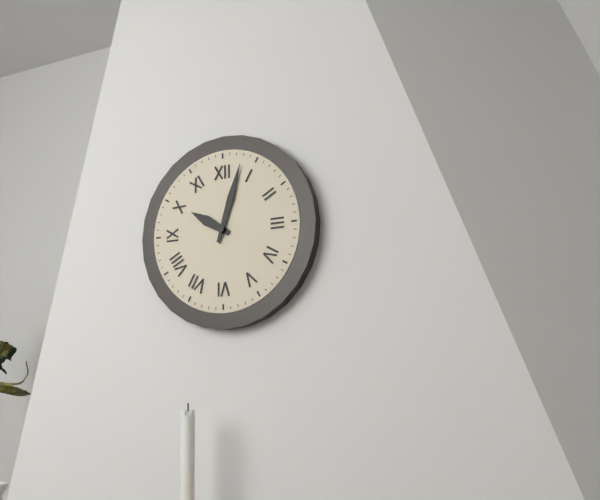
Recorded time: 10:03
